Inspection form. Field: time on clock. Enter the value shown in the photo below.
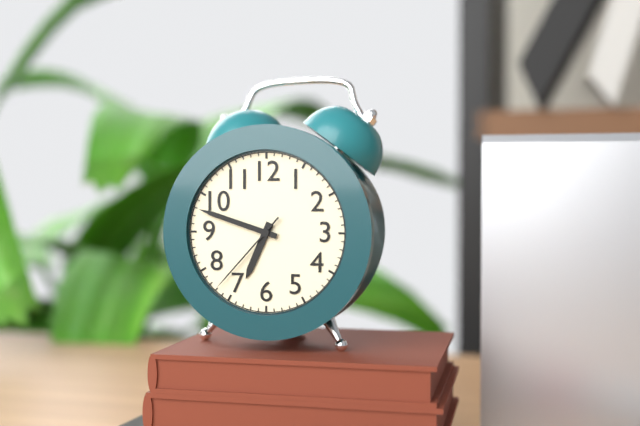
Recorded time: 6:48:37
